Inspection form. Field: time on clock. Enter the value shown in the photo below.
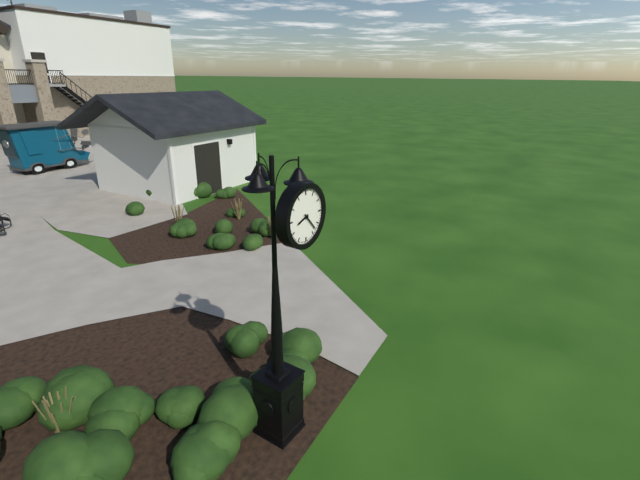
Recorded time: 8:23
